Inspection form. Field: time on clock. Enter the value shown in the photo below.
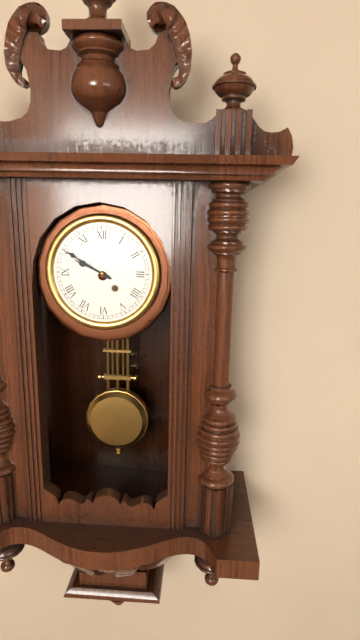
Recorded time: 9:50
